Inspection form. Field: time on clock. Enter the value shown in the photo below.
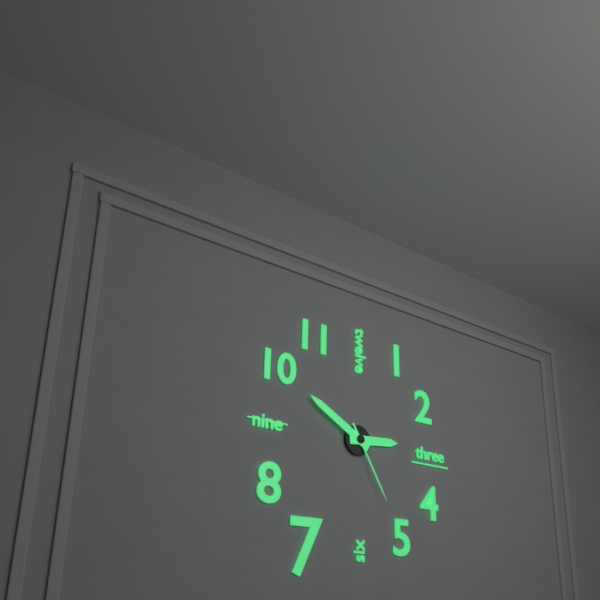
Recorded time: 2:50:25
